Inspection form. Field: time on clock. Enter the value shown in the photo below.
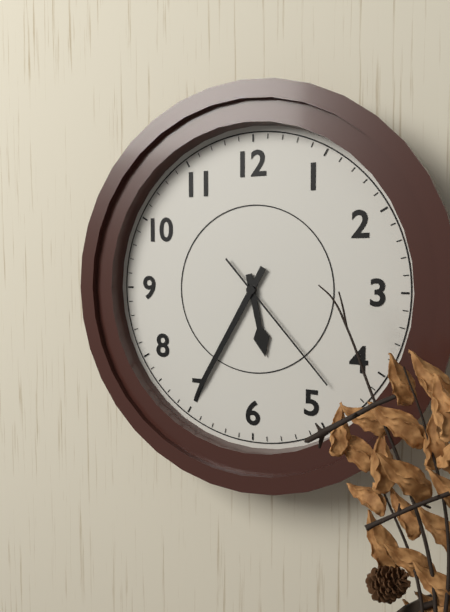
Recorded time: 5:35:23
